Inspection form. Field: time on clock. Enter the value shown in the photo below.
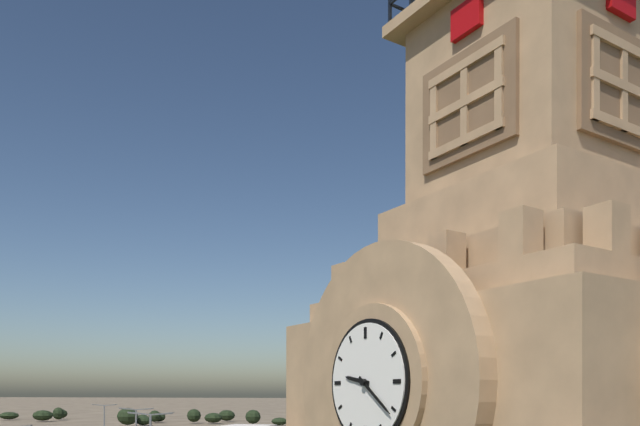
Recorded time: 9:21
